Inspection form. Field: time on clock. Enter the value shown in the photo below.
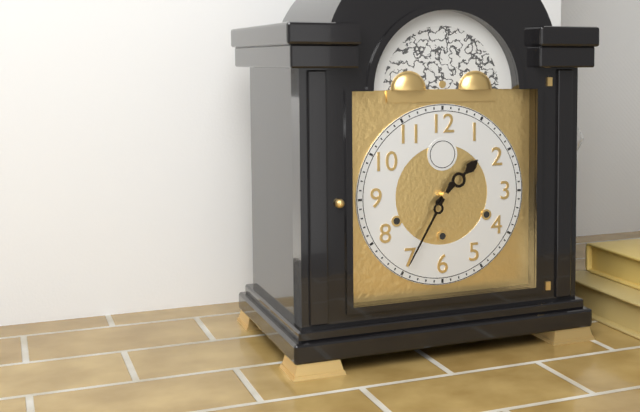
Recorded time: 1:35
